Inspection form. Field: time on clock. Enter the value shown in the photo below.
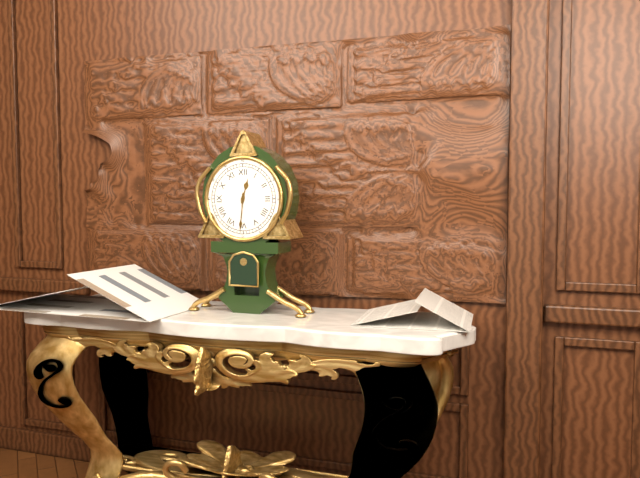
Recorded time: 12:31
